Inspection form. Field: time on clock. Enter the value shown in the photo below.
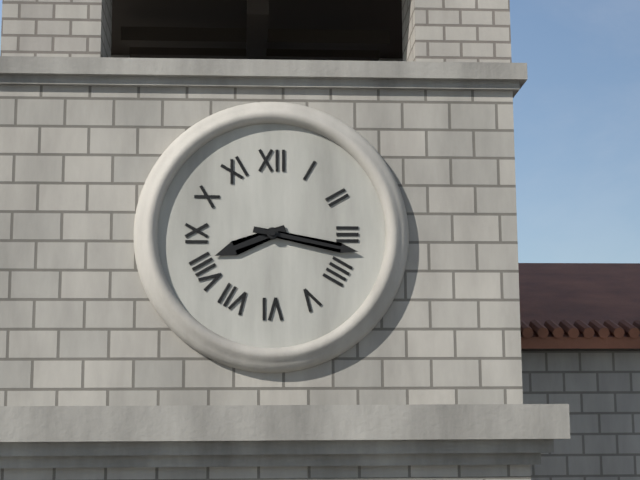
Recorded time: 8:17
